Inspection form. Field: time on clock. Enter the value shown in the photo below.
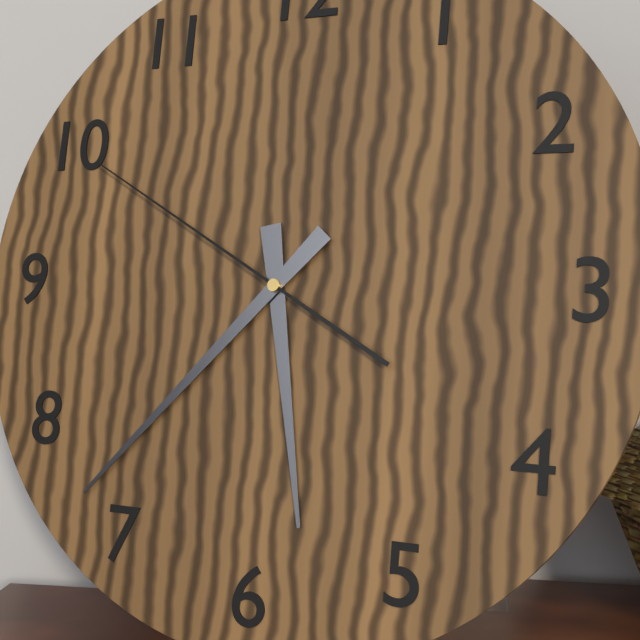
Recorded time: 5:37:50
